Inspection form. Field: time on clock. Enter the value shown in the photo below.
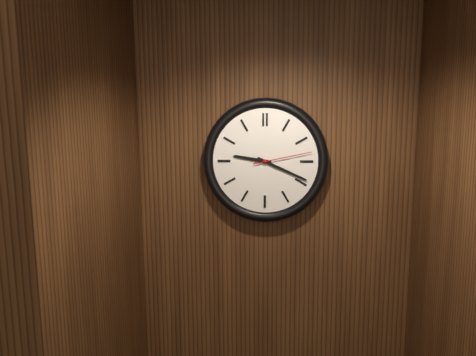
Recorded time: 9:19:13
